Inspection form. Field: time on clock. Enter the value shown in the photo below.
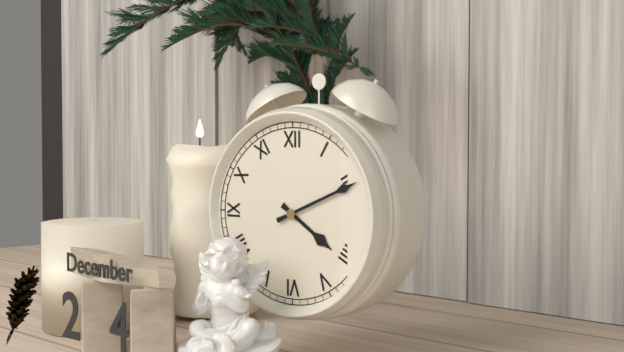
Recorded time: 4:11
